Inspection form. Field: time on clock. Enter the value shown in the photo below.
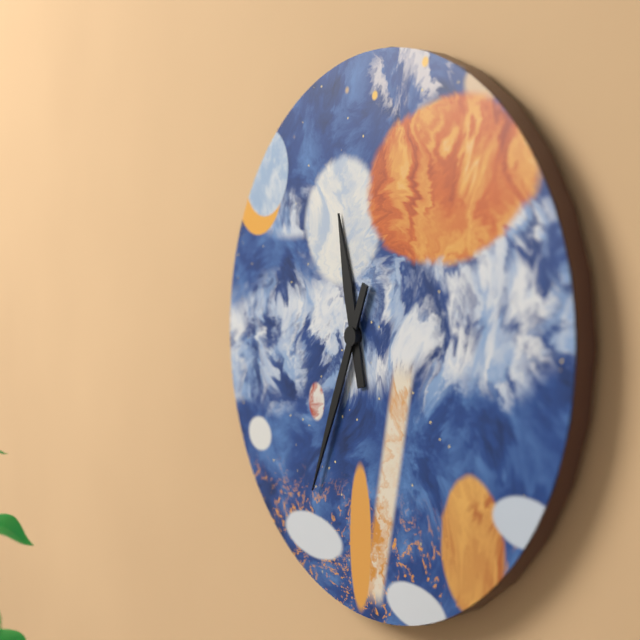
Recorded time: 11:34
